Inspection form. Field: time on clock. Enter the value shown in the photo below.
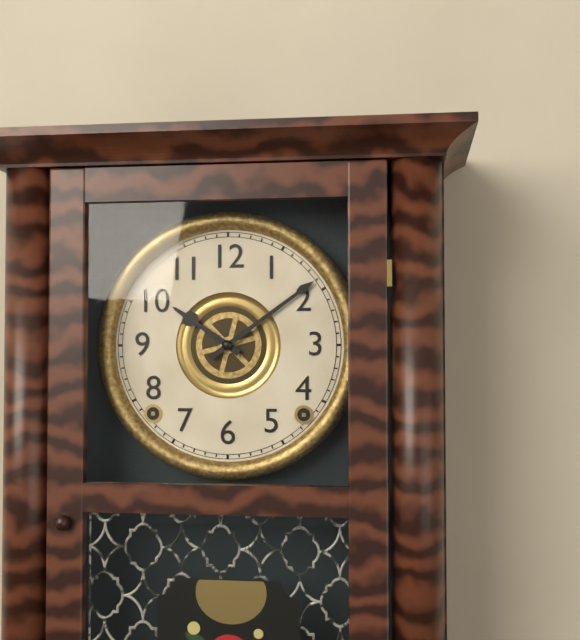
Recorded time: 10:09
